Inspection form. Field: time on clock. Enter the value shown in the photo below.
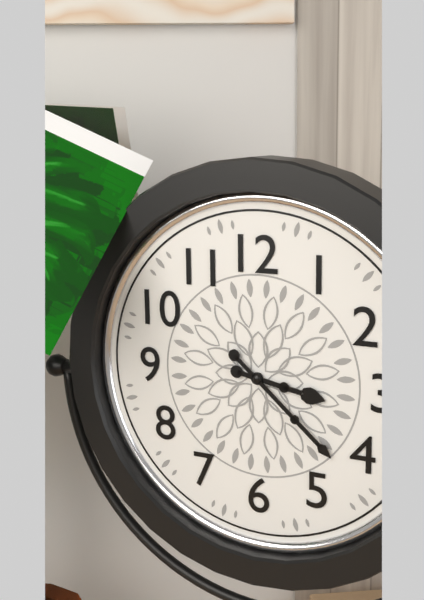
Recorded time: 3:22
